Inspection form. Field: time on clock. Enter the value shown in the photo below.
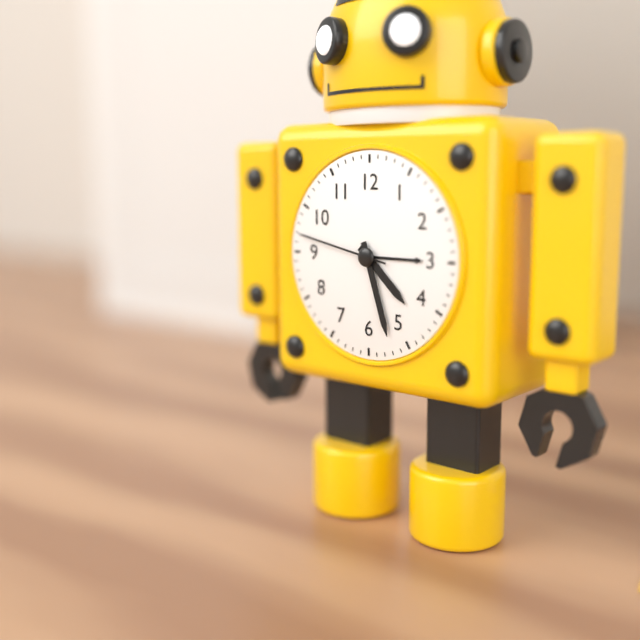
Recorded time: 4:27:47
